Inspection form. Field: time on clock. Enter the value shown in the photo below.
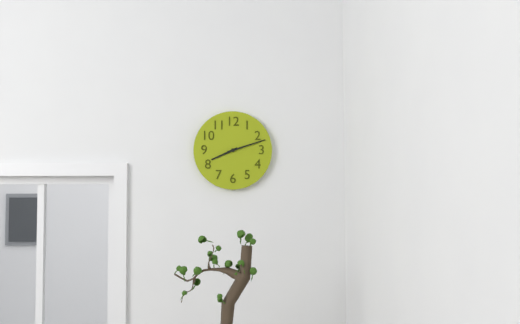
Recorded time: 8:12
